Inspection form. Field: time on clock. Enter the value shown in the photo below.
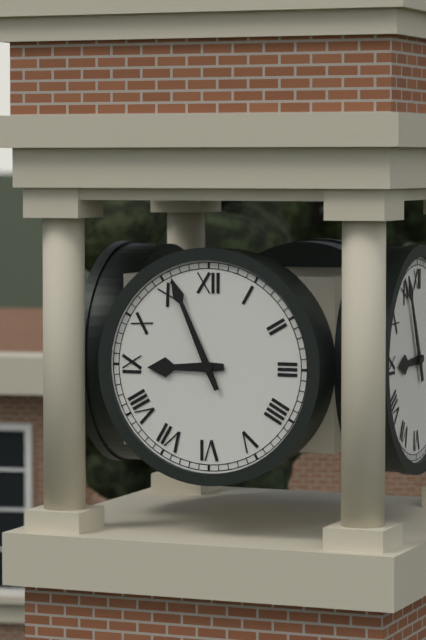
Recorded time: 8:56
